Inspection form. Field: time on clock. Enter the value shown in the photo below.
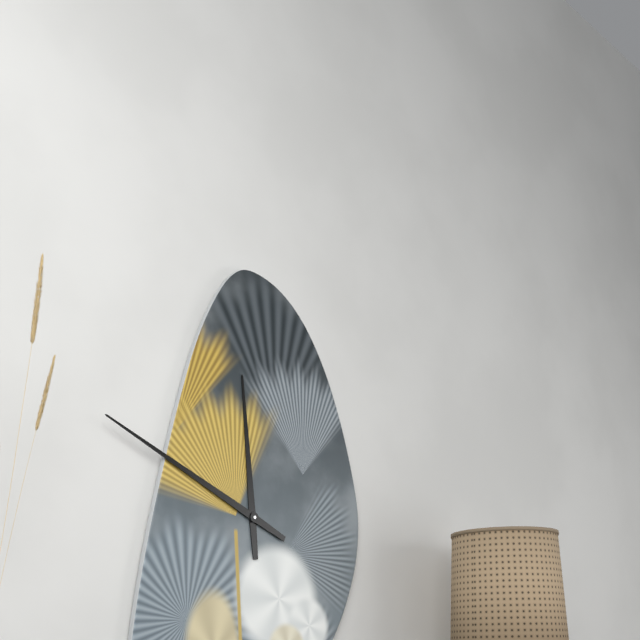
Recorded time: 11:49
